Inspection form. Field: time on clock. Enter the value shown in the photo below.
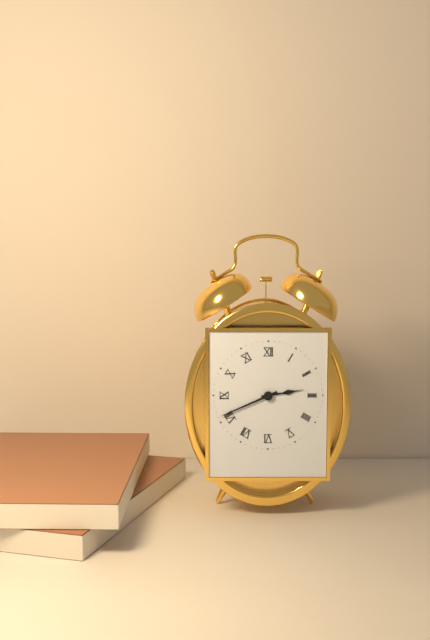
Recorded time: 2:41
